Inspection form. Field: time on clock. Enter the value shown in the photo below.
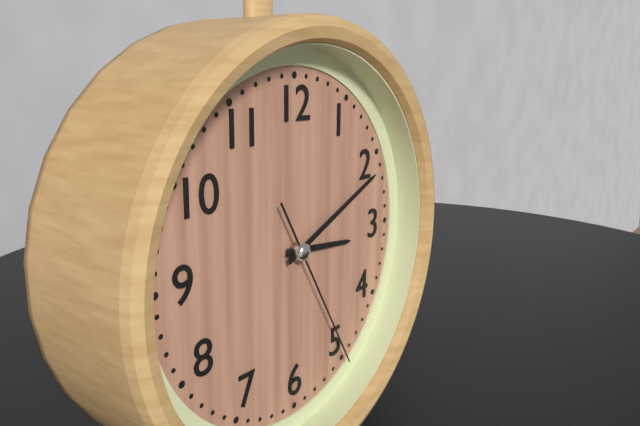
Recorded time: 3:11:25
